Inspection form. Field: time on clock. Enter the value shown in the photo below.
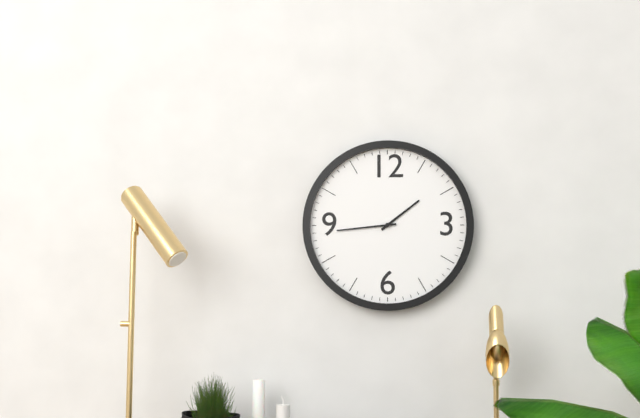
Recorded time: 1:44
